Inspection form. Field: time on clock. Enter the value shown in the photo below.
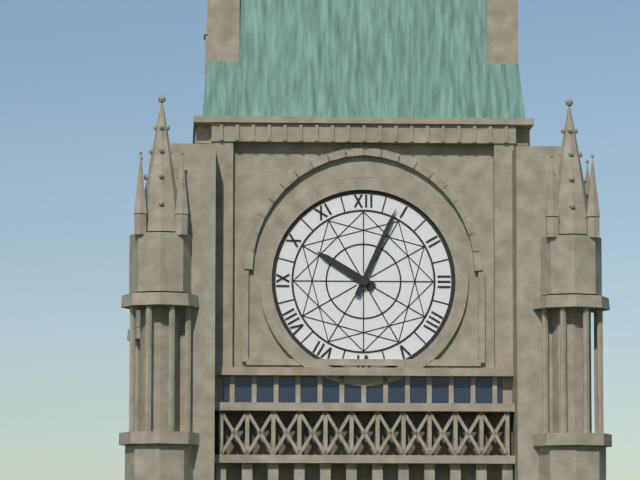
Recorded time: 10:04
